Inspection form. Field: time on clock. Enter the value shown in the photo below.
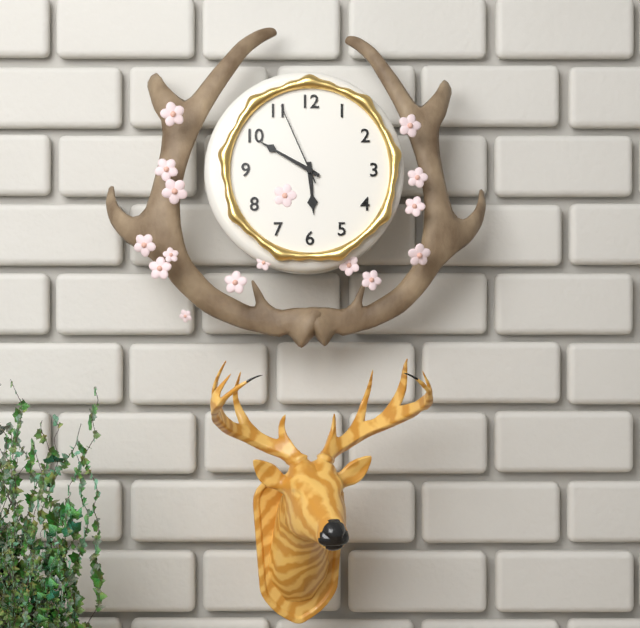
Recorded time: 5:50:56
